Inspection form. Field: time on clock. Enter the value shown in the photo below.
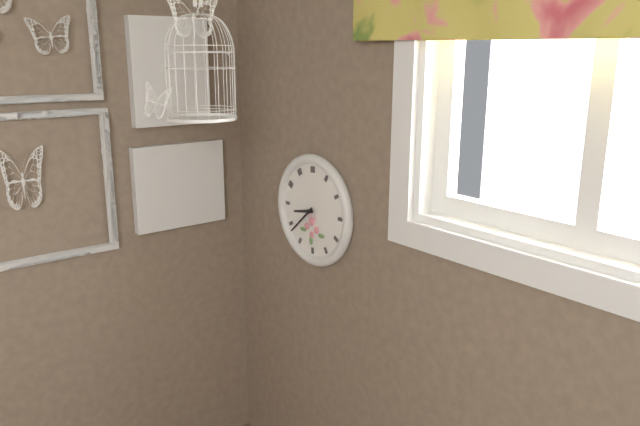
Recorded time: 8:38
